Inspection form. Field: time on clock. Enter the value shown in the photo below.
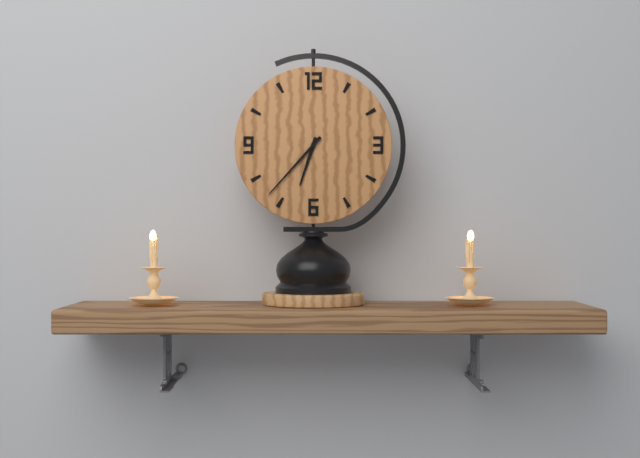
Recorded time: 6:37
